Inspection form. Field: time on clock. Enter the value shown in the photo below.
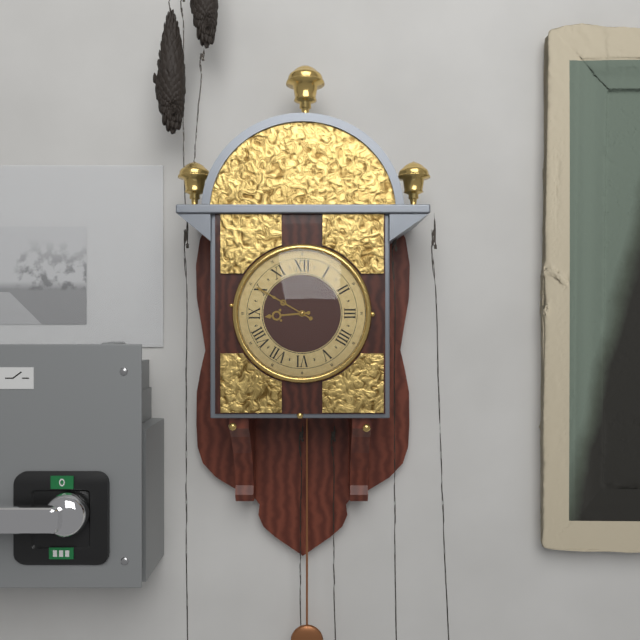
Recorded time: 8:50
